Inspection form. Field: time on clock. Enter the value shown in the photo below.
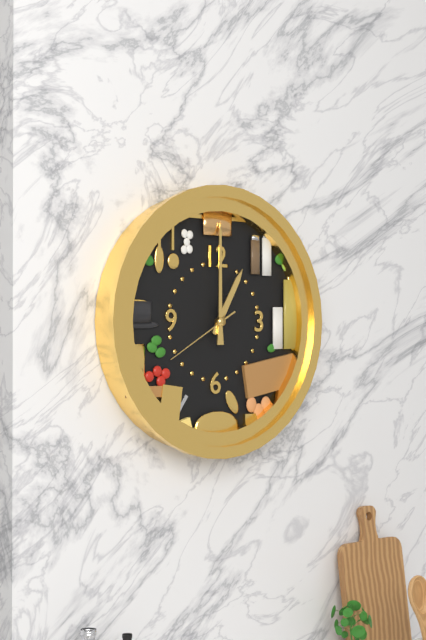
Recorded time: 1:00:40
